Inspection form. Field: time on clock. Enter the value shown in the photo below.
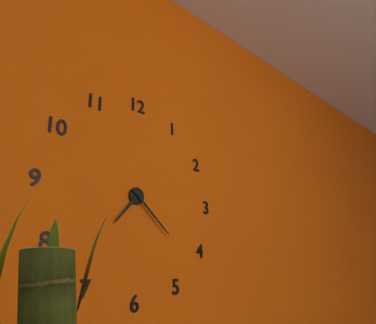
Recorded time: 7:22
